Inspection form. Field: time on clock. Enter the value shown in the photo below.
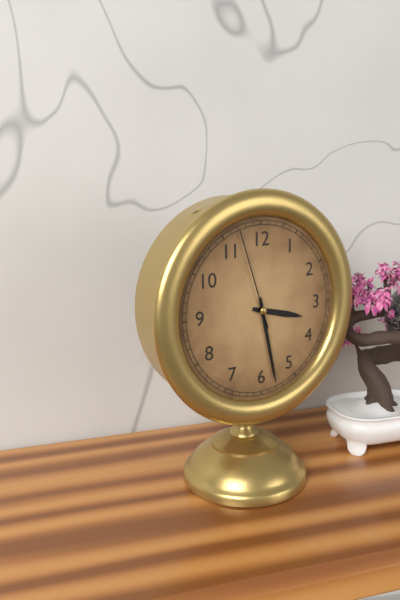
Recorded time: 3:28:57
